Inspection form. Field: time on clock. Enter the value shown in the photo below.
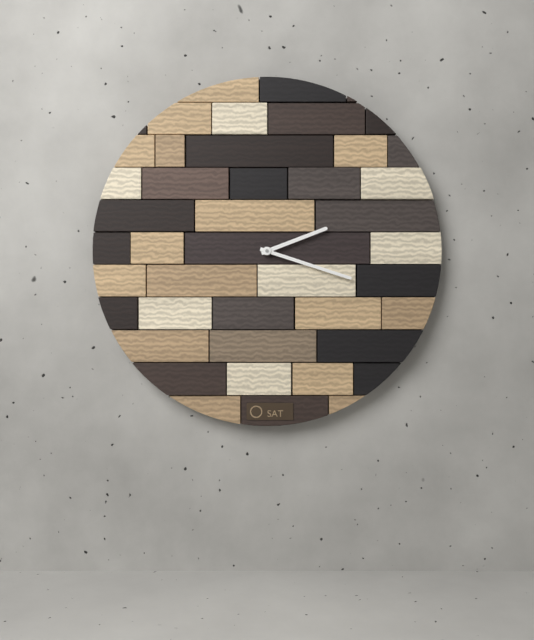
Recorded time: 2:18
